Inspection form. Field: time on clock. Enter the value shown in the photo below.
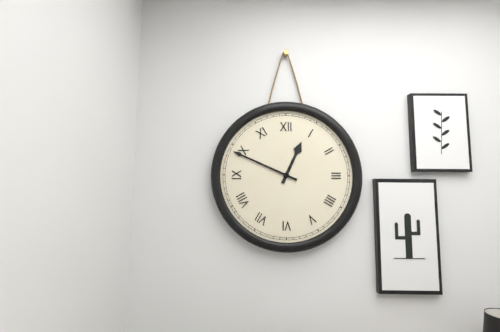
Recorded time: 12:49
